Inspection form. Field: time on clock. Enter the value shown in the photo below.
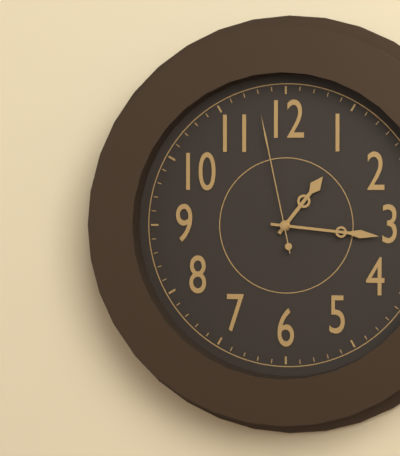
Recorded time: 1:16:58
